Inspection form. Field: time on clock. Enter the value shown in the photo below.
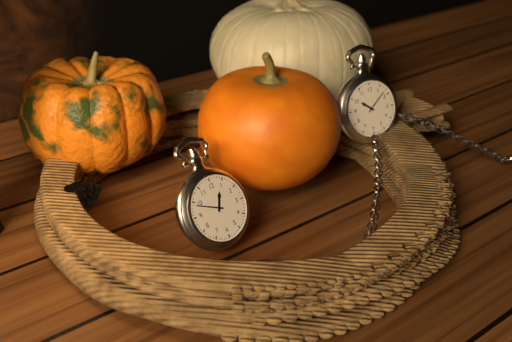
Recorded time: 12:49
